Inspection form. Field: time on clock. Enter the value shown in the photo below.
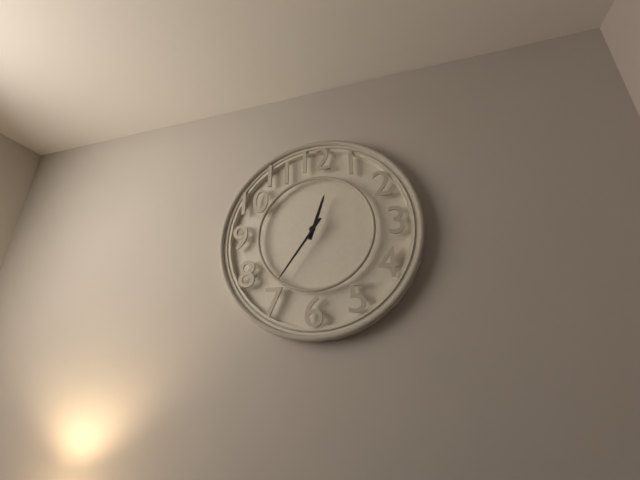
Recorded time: 12:36
